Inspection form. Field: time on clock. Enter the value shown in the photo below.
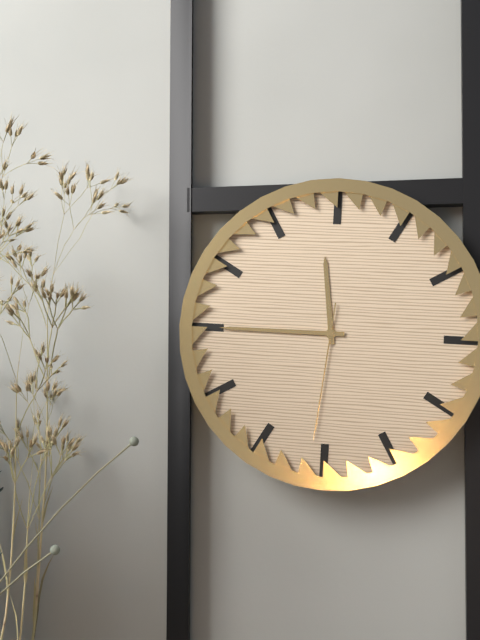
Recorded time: 11:45:31
